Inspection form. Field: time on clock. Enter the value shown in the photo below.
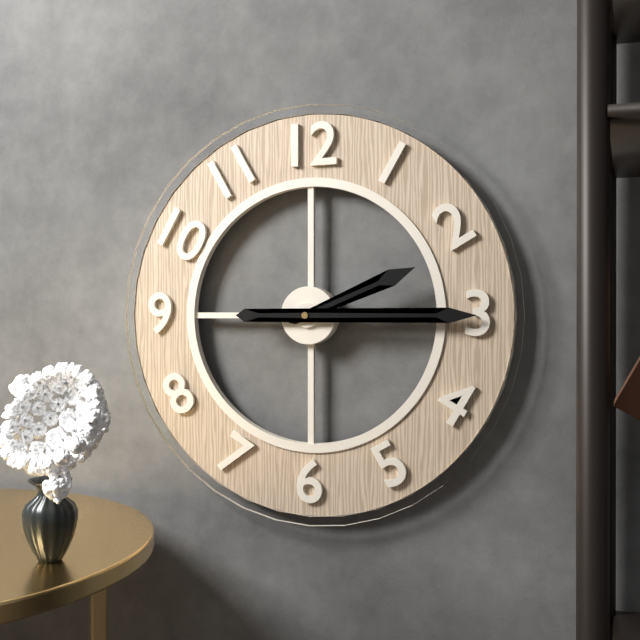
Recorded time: 2:15
